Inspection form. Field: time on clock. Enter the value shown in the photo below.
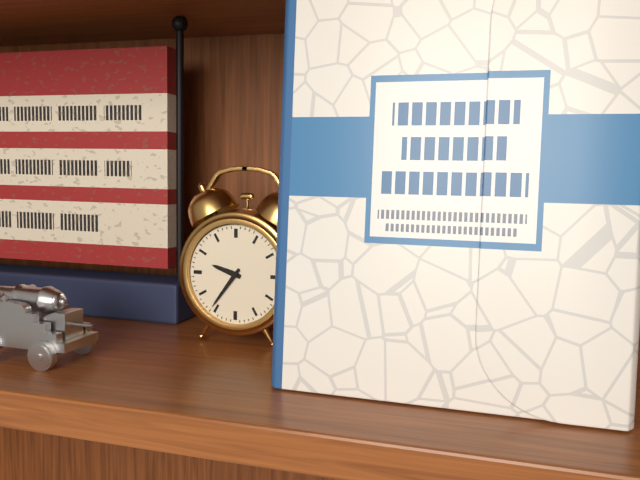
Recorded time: 9:36
